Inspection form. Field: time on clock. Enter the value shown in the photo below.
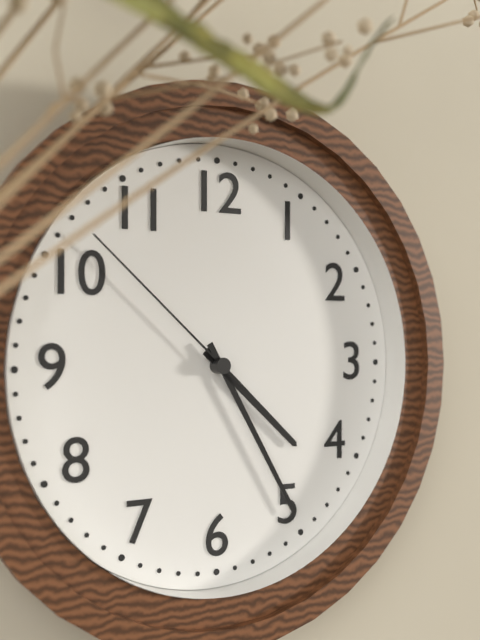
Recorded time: 4:25:52
